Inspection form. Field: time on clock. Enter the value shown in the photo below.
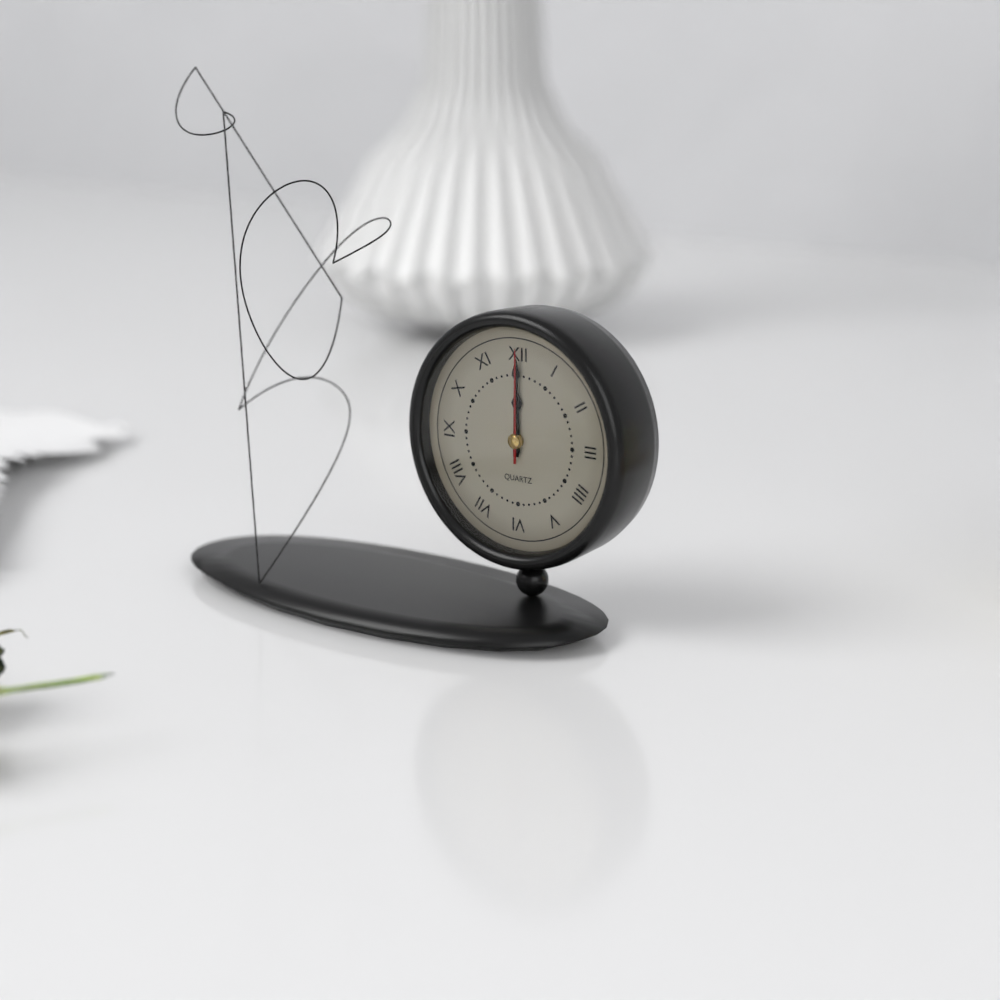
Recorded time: 12:00:00
